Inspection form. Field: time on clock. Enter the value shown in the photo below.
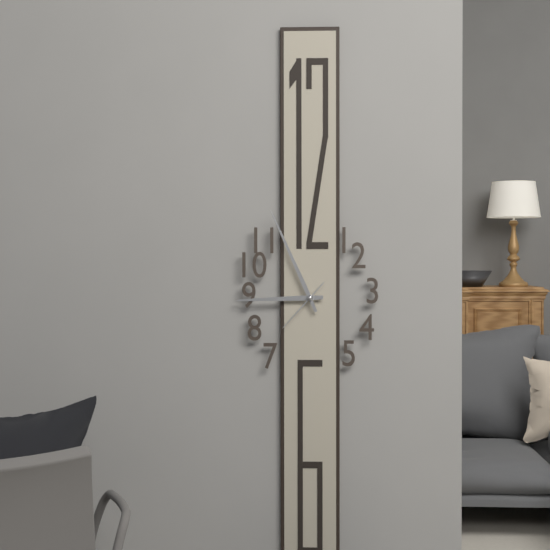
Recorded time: 8:56:37
